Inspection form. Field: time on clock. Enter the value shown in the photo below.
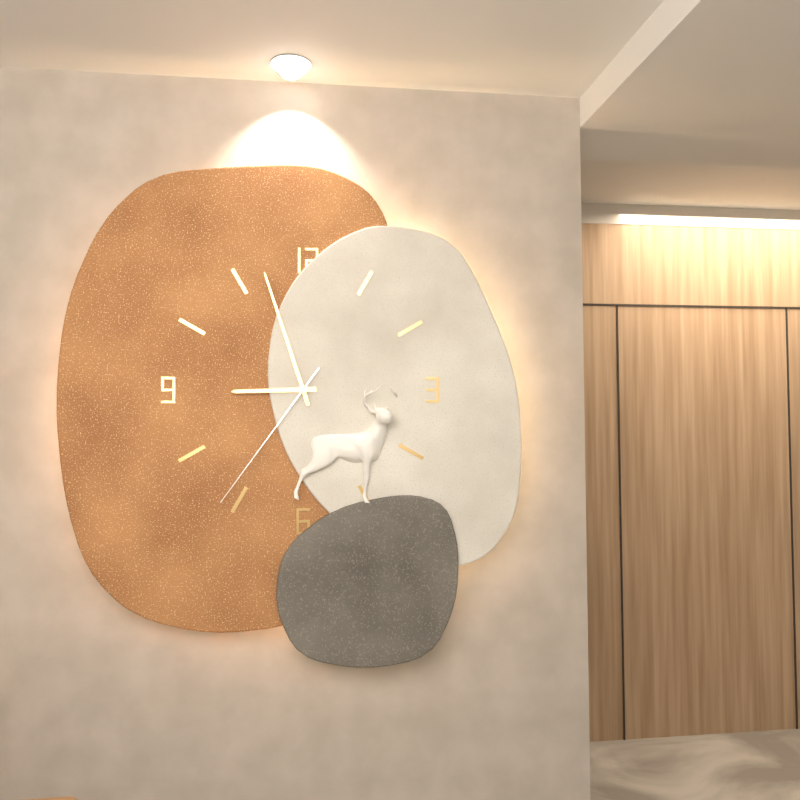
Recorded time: 8:57:36
